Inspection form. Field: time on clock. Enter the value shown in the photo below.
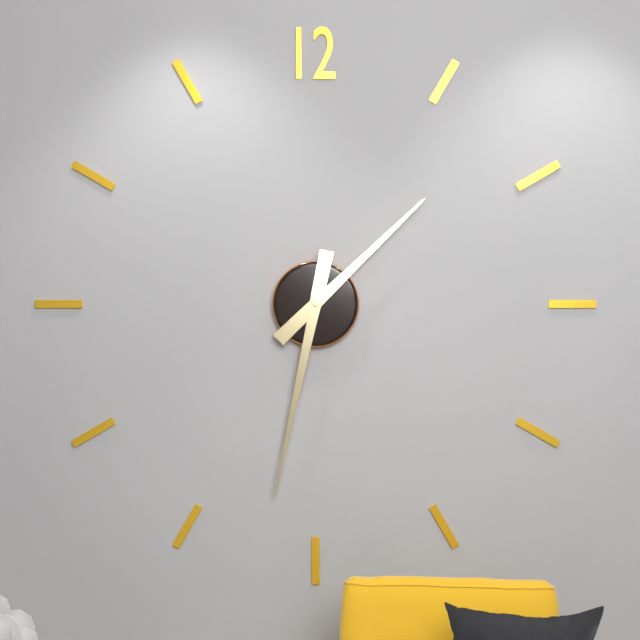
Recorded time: 1:32
